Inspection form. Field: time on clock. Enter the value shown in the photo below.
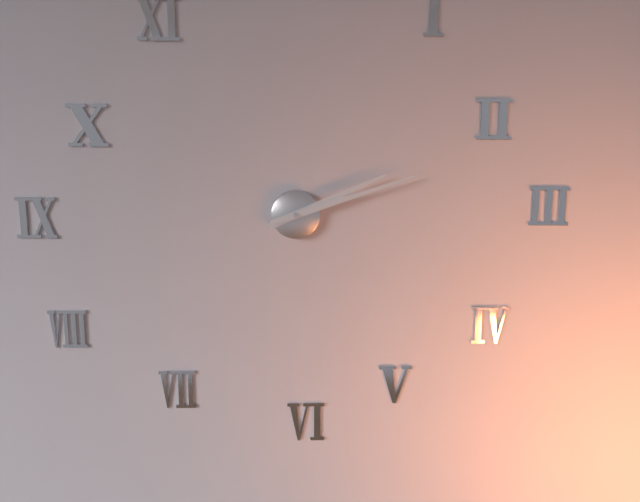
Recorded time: 2:12
